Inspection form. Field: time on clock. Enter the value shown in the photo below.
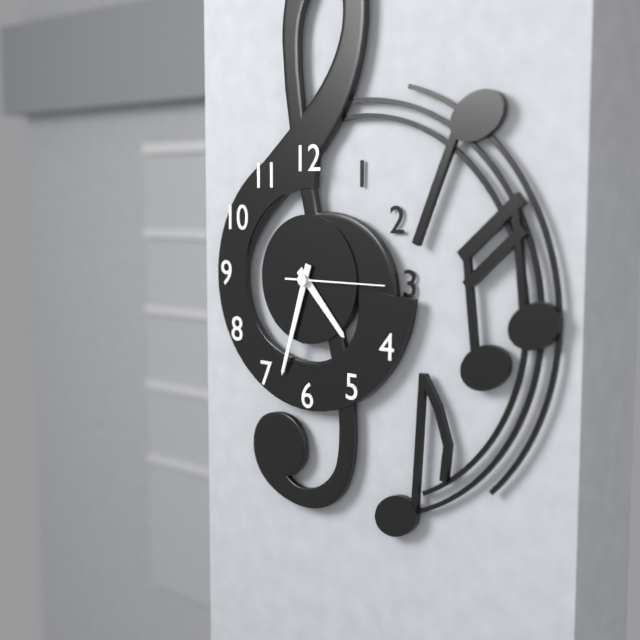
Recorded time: 4:33:15
